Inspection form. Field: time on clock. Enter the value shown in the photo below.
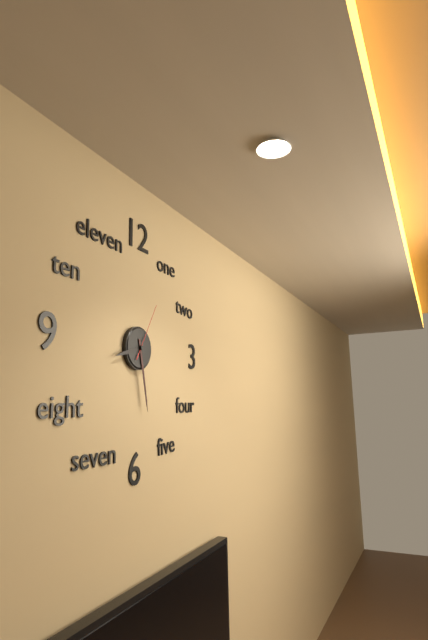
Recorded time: 8:28:05
